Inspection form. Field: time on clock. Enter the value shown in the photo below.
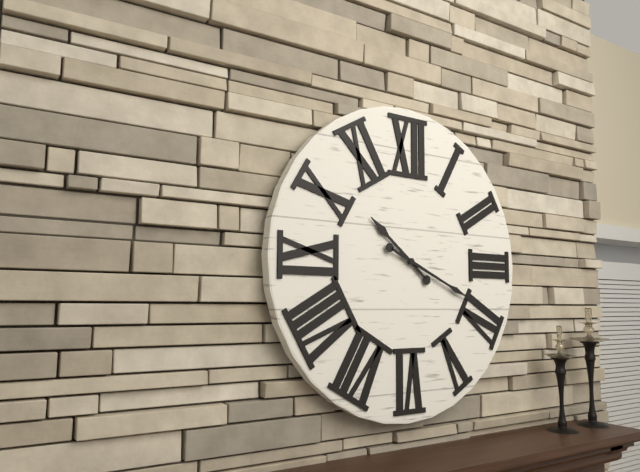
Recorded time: 10:19
